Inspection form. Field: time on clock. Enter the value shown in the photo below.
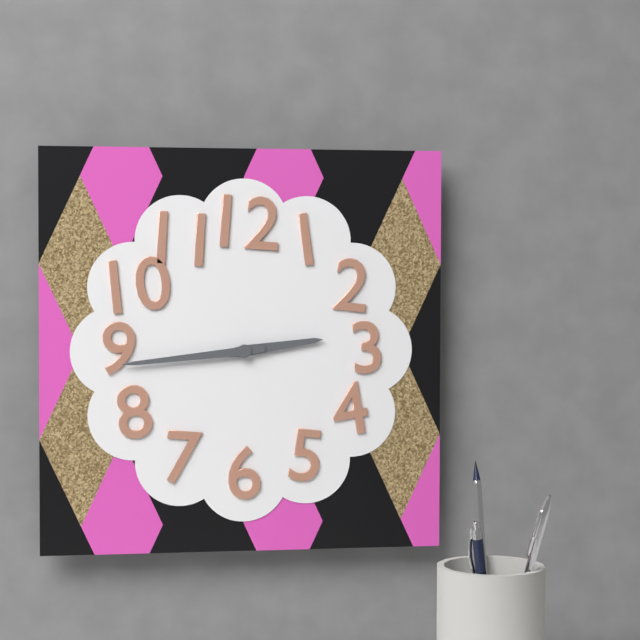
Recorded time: 2:44
